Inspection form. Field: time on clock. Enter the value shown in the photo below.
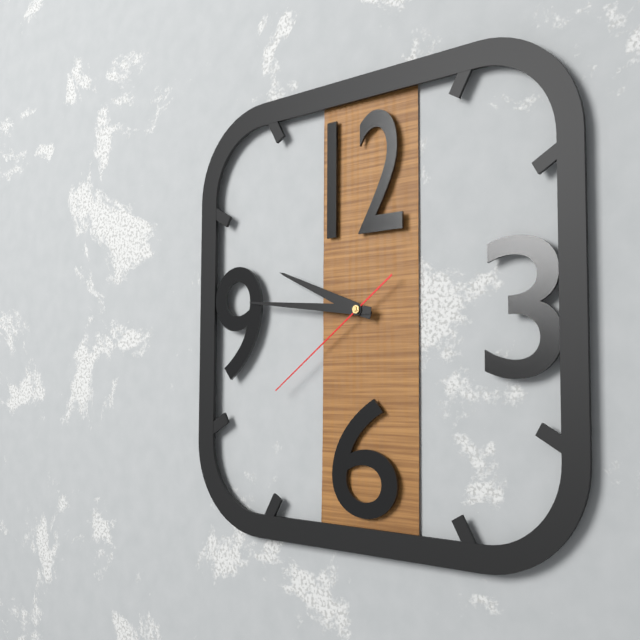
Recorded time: 9:46:39
